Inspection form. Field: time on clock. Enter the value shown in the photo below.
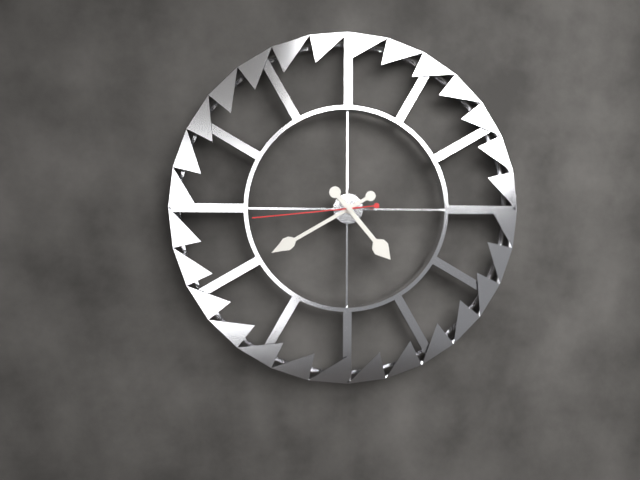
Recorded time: 4:40:44
